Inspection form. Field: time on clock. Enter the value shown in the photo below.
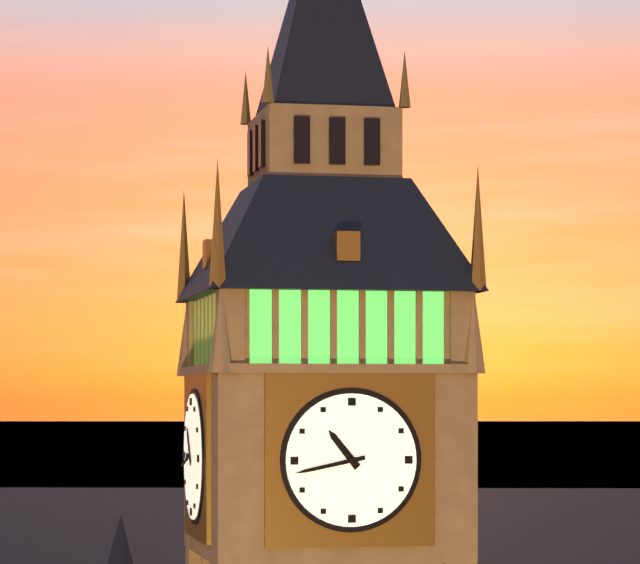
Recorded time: 10:43
